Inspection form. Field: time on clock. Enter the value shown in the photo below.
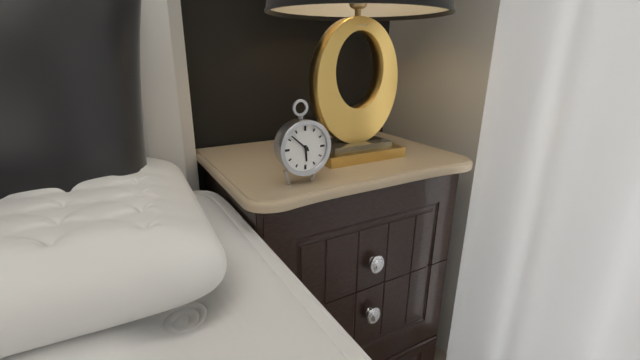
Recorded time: 5:52
